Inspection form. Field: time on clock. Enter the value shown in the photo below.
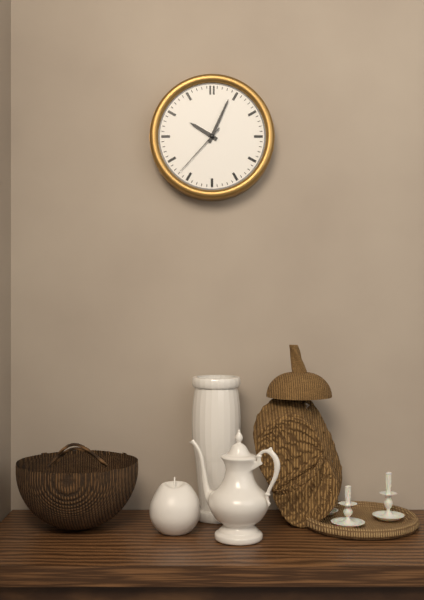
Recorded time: 10:04:37
